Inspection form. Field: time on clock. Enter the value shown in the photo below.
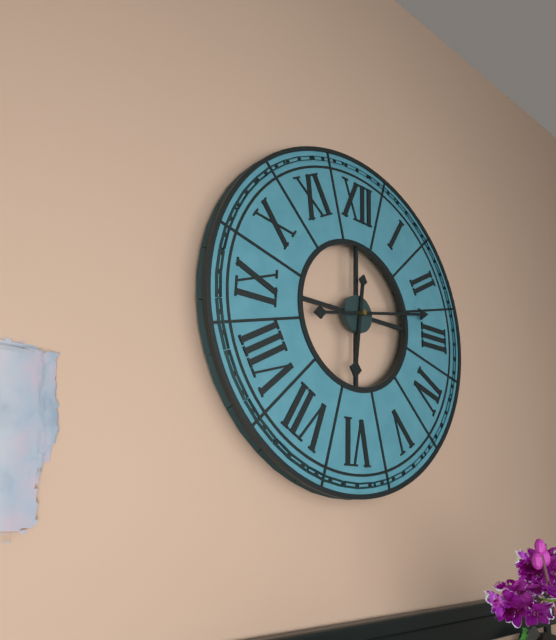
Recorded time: 6:13
